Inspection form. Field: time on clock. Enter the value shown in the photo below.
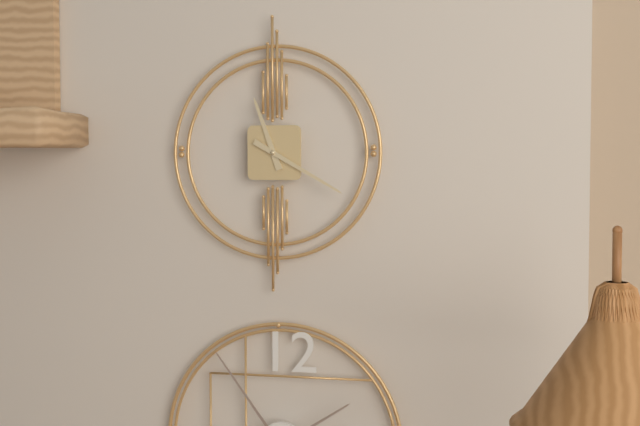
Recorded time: 11:20
